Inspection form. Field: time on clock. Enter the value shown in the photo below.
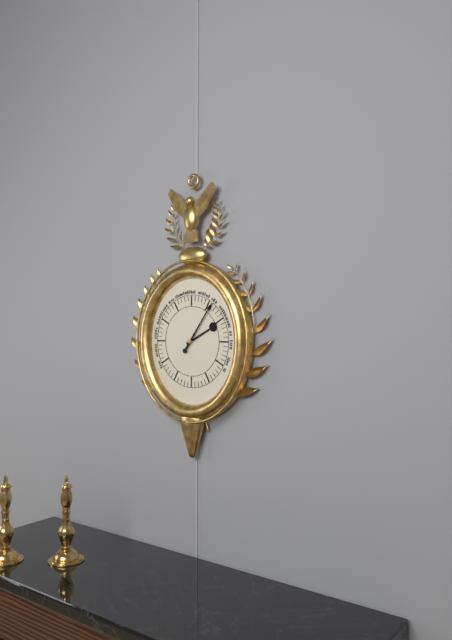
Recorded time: 2:06
